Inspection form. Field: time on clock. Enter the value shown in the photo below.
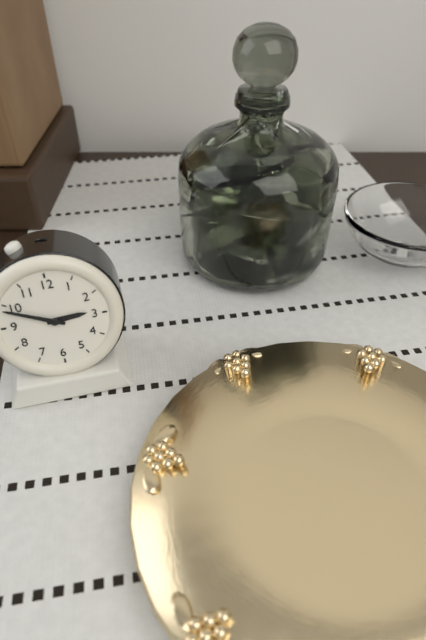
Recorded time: 2:49
